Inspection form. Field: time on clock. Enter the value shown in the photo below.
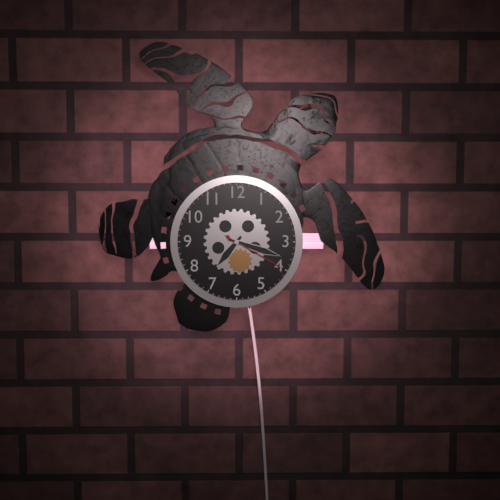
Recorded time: 7:18:20
